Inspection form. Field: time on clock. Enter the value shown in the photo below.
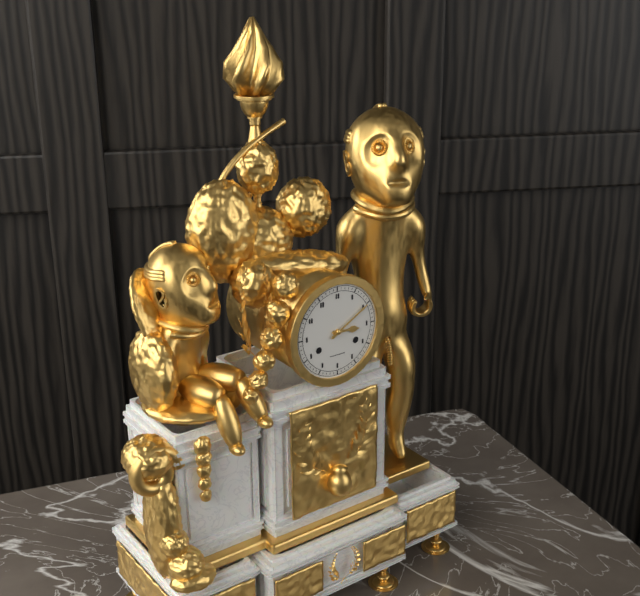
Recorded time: 3:10
